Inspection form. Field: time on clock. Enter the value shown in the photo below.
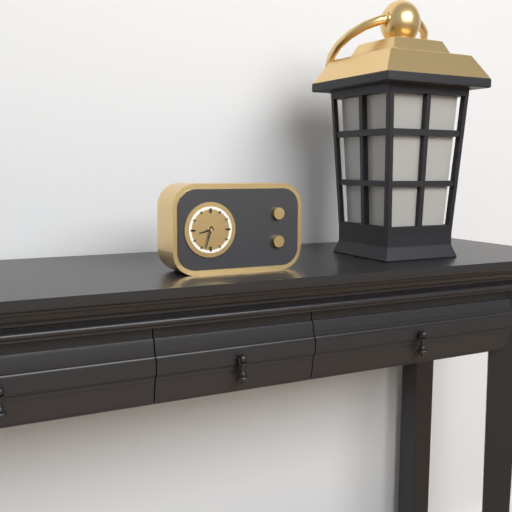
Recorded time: 8:33
